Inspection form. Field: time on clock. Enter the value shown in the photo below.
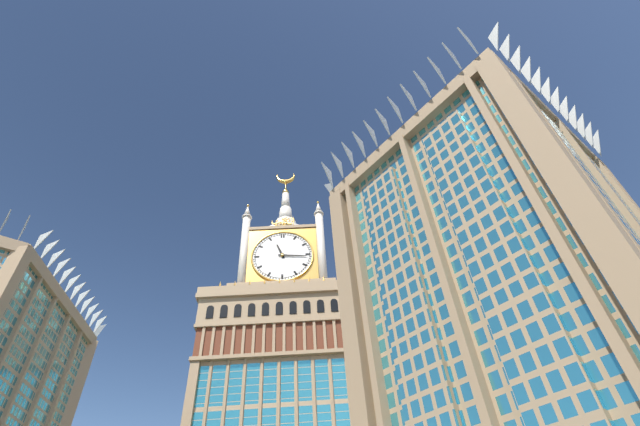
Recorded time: 11:16
